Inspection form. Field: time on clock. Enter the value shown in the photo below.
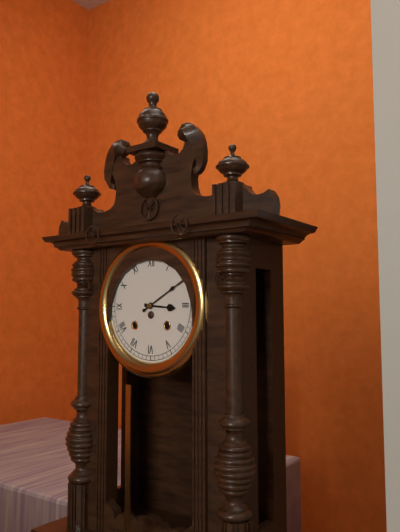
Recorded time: 3:10
